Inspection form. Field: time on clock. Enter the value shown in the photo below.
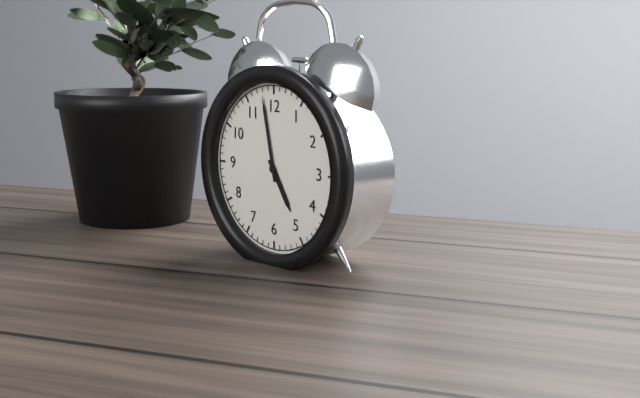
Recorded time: 4:58
